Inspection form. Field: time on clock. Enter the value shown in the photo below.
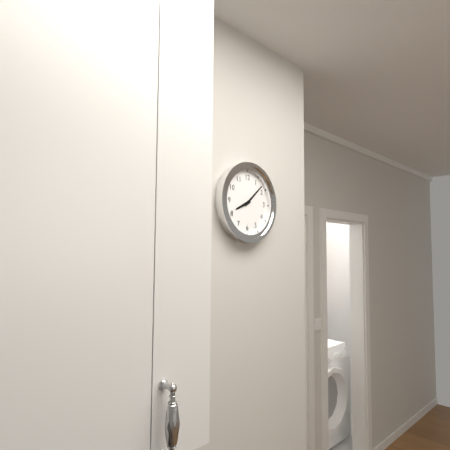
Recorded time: 8:08
